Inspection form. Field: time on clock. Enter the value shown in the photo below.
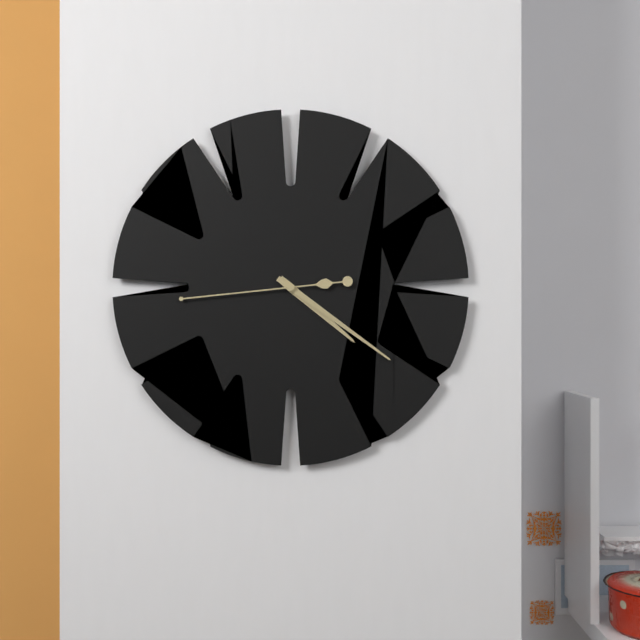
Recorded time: 4:21:44
